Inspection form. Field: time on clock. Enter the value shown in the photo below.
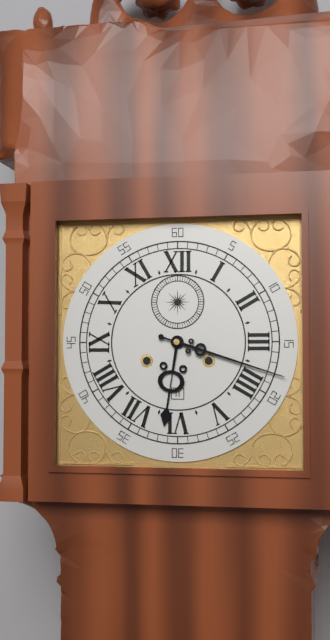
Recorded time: 6:18
